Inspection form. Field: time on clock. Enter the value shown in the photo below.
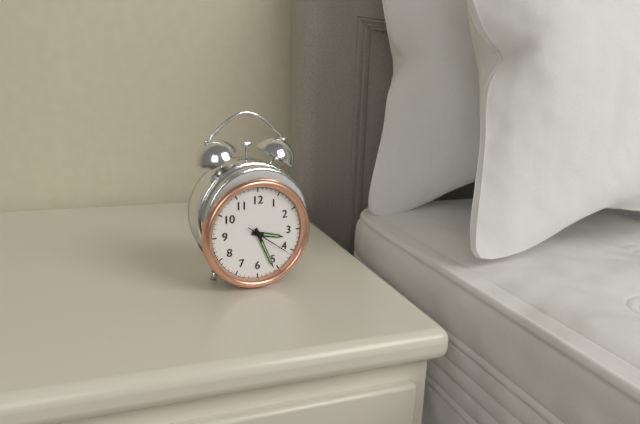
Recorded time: 3:26
